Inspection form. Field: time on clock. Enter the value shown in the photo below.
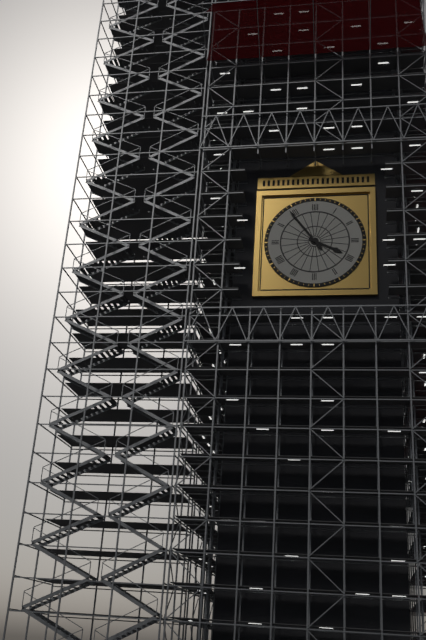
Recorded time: 3:54
